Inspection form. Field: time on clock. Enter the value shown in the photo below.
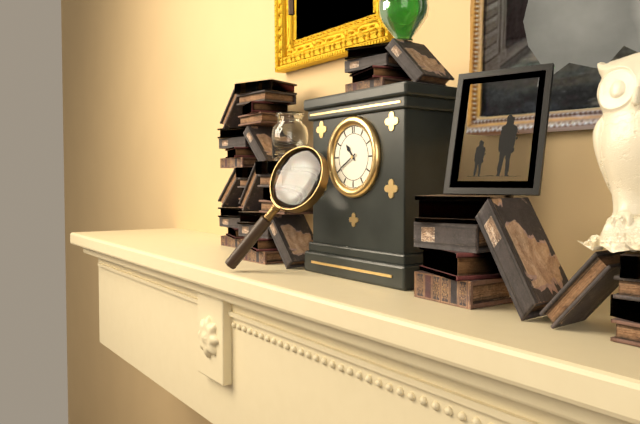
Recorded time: 10:40
